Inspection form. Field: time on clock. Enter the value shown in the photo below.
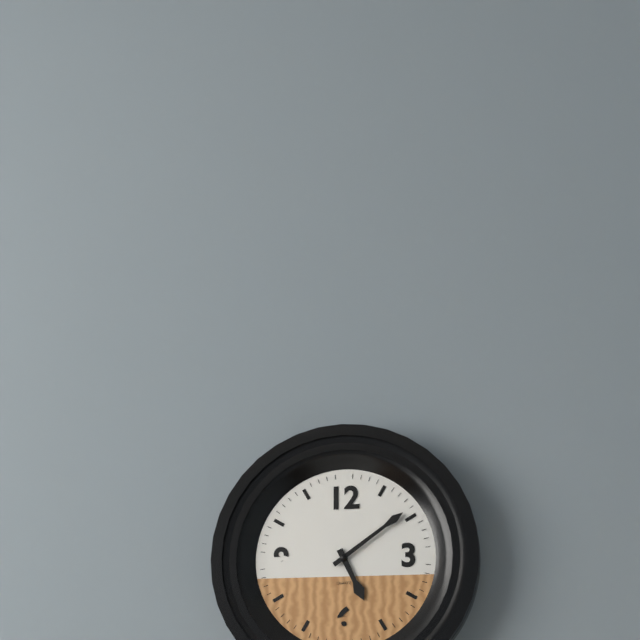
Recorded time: 5:09
